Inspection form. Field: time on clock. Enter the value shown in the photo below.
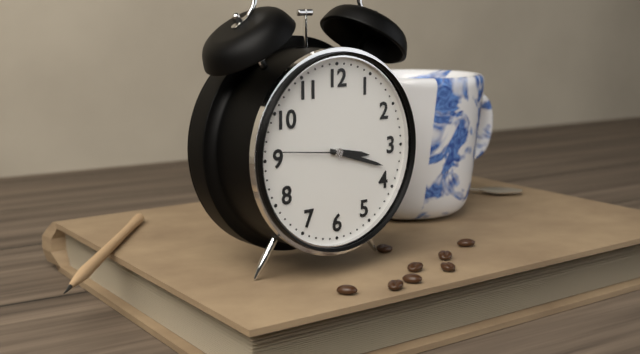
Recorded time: 3:18:46
